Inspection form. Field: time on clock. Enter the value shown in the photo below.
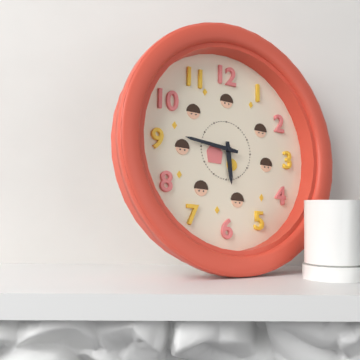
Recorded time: 5:46
